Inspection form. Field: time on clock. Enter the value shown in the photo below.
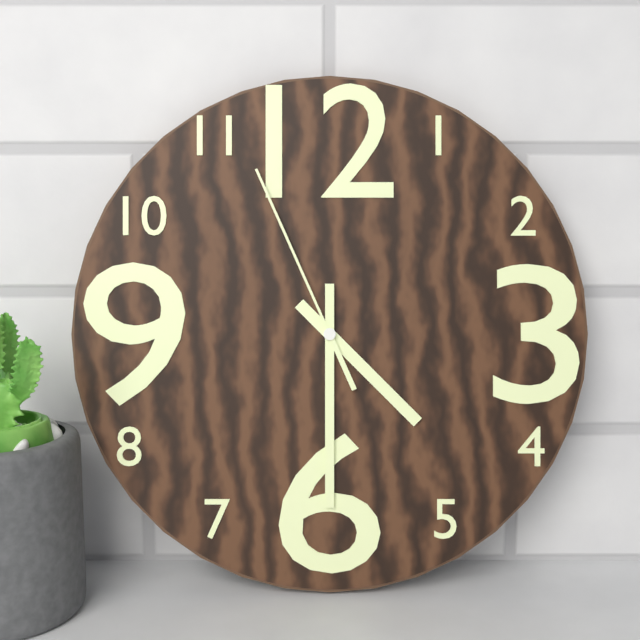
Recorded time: 4:30:56
